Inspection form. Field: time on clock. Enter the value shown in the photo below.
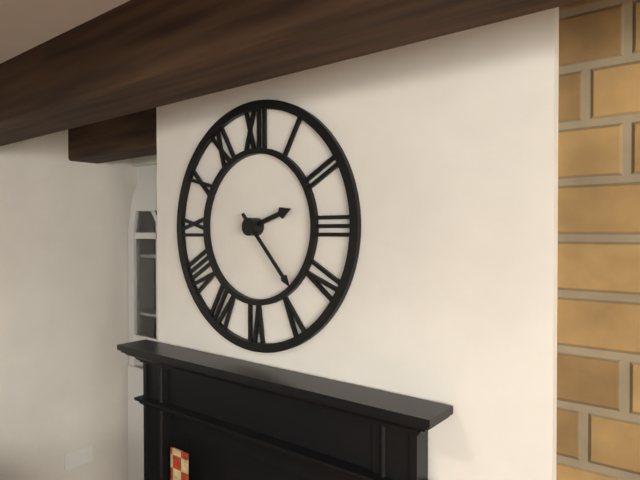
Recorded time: 2:23
